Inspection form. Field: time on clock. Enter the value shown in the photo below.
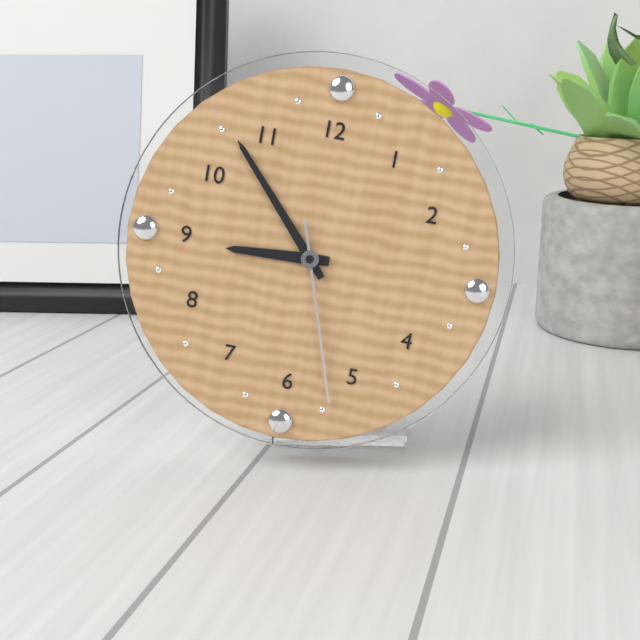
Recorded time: 8:53:27
